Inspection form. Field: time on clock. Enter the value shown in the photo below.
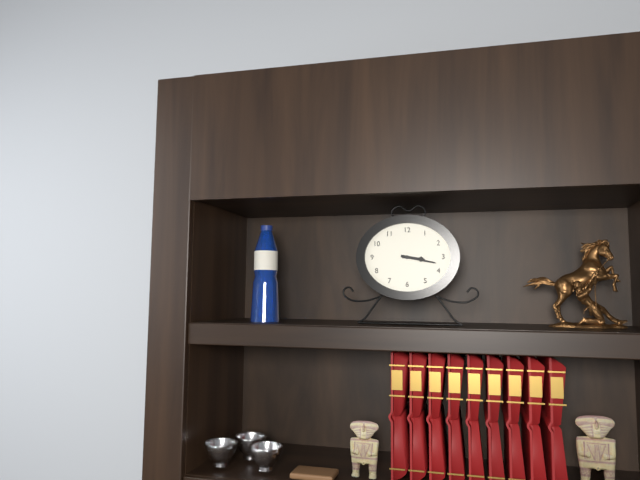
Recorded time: 3:17
